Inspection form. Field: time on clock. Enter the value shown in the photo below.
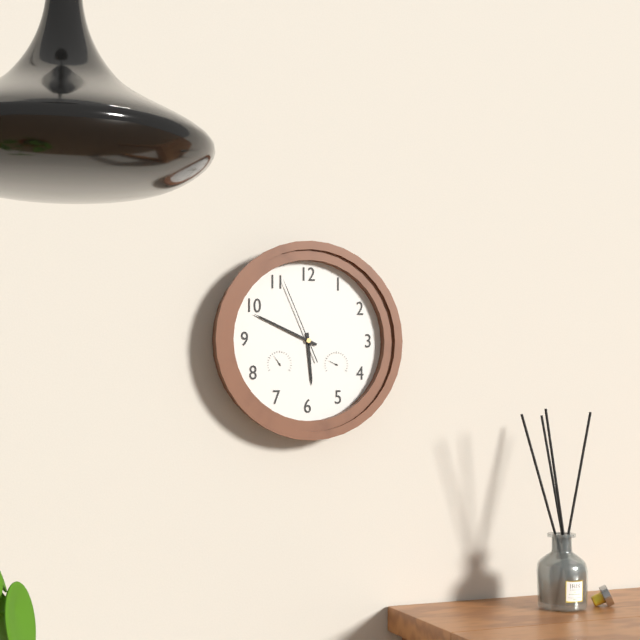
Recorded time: 5:49:56
